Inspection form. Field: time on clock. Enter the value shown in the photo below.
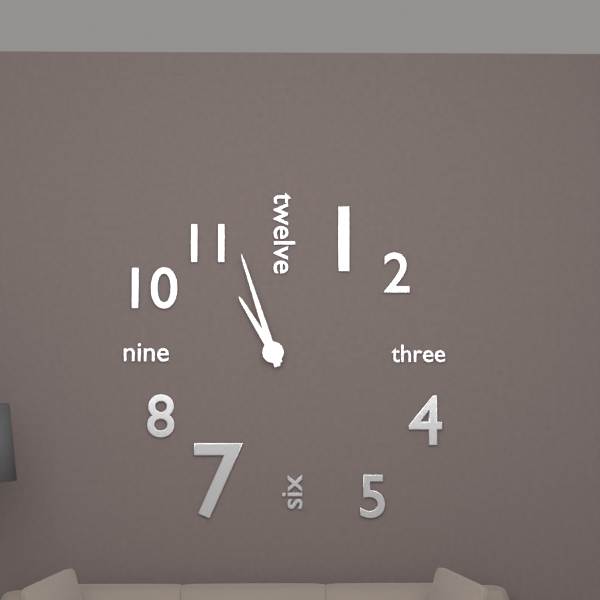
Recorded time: 10:57
